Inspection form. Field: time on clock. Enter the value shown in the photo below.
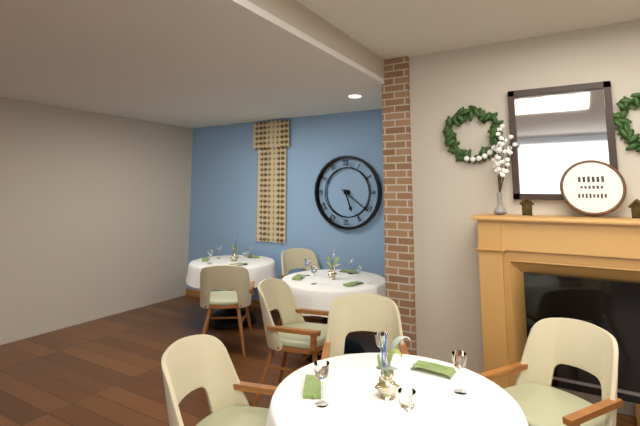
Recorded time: 5:21
